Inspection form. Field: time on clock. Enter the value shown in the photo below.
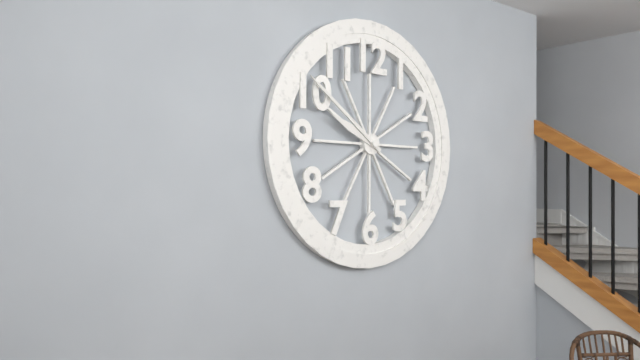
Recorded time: 9:51
